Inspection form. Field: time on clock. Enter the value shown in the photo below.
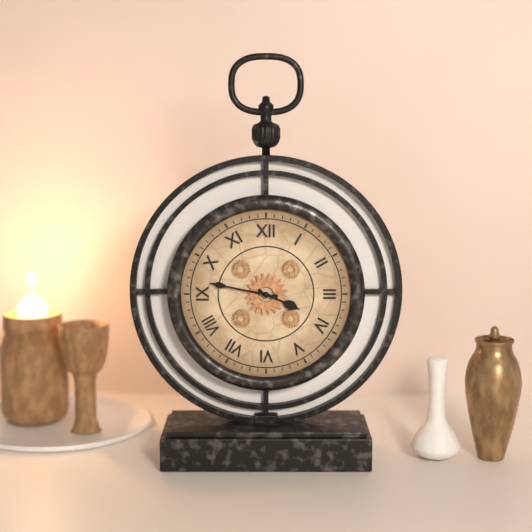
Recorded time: 3:47
